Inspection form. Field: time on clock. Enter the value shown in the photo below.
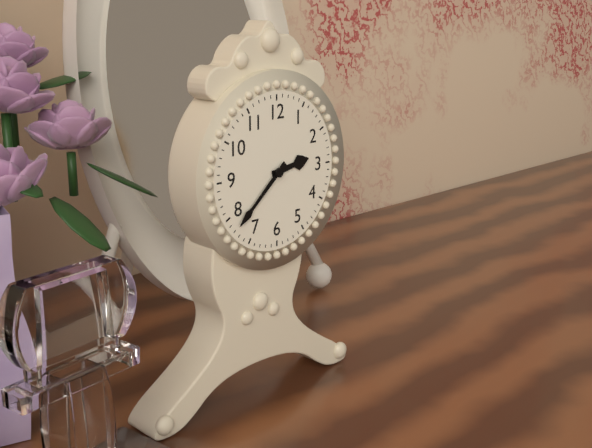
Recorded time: 2:38
